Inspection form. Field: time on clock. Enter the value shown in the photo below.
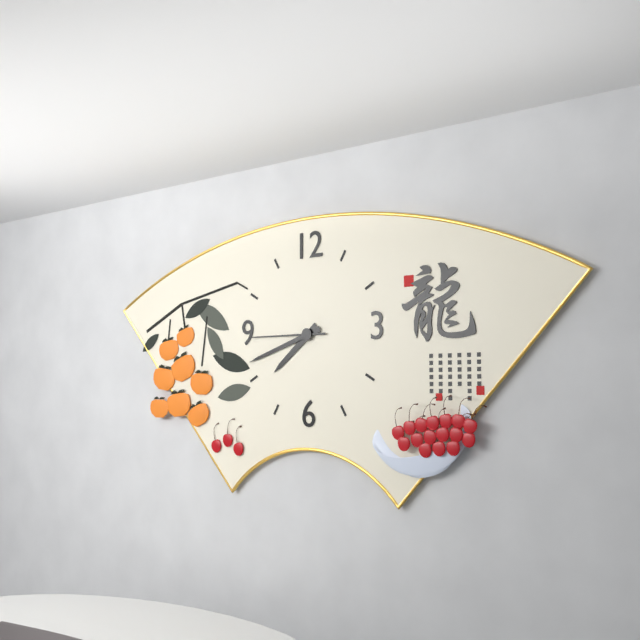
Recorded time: 7:42:45
